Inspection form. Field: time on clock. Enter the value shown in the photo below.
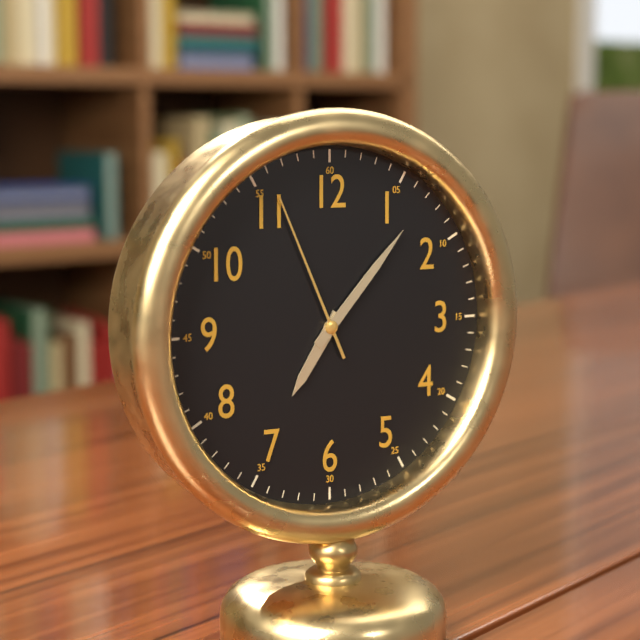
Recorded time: 7:07:56
